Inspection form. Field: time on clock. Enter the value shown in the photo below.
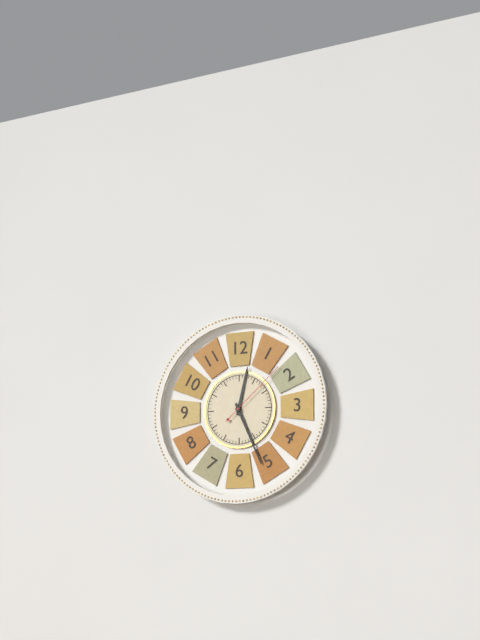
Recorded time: 12:26:08
